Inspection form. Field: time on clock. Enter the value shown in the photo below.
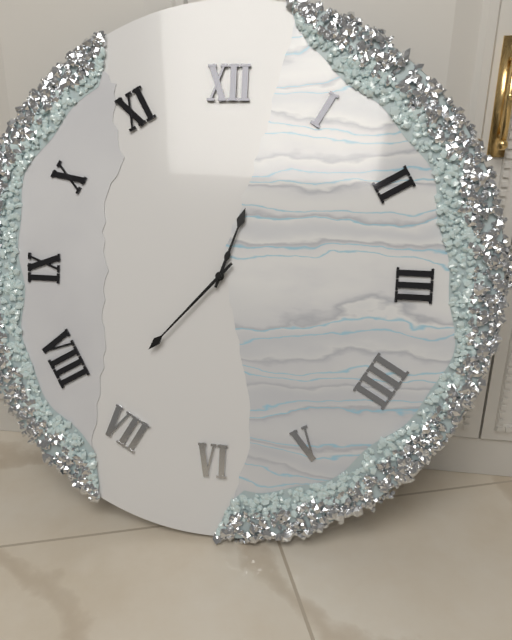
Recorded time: 12:37
